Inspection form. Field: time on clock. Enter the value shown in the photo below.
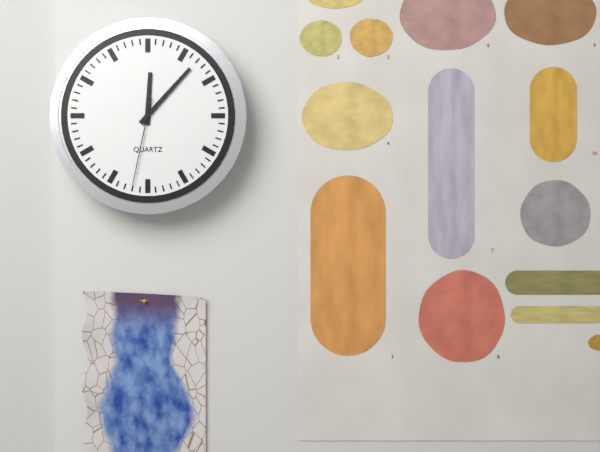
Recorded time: 12:07:32
